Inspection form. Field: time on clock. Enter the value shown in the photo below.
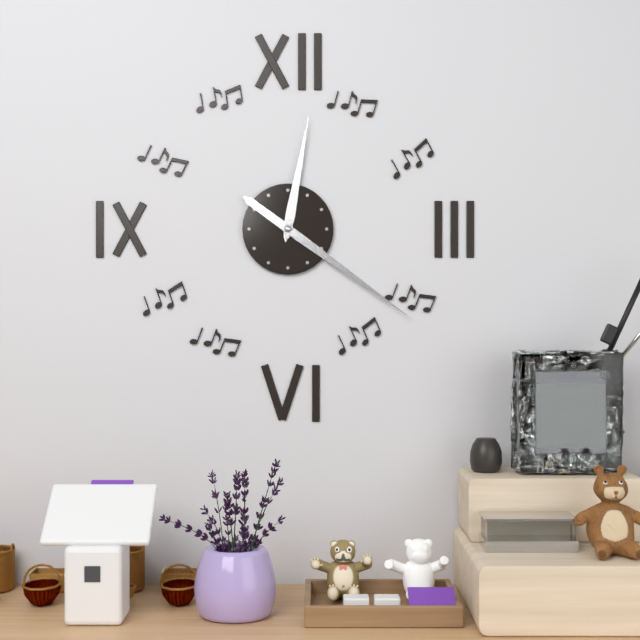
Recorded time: 12:21
